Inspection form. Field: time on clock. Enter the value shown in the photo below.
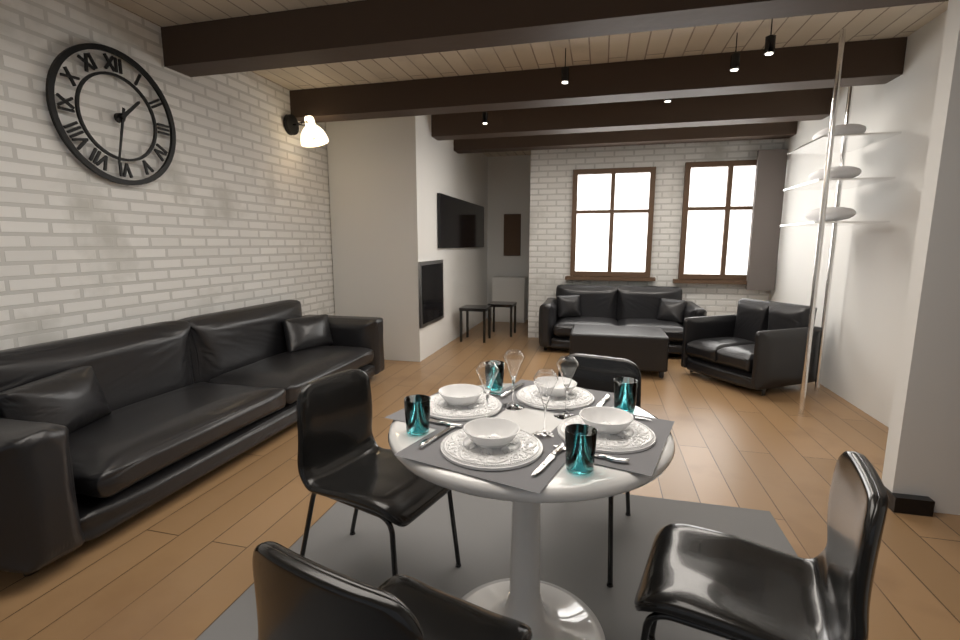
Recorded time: 1:32
